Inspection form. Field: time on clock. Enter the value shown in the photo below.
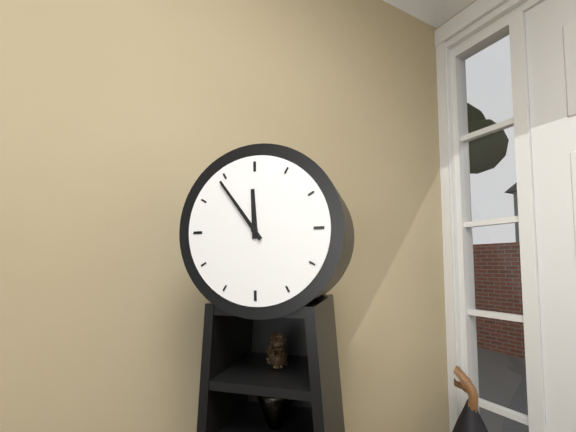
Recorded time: 11:54
